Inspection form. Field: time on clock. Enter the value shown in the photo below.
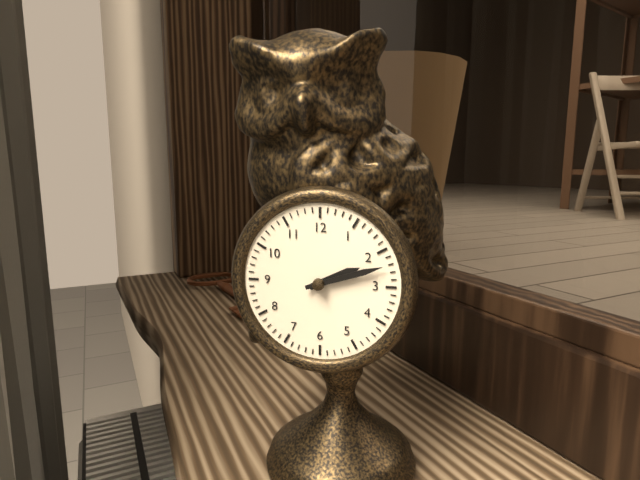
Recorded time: 2:12
